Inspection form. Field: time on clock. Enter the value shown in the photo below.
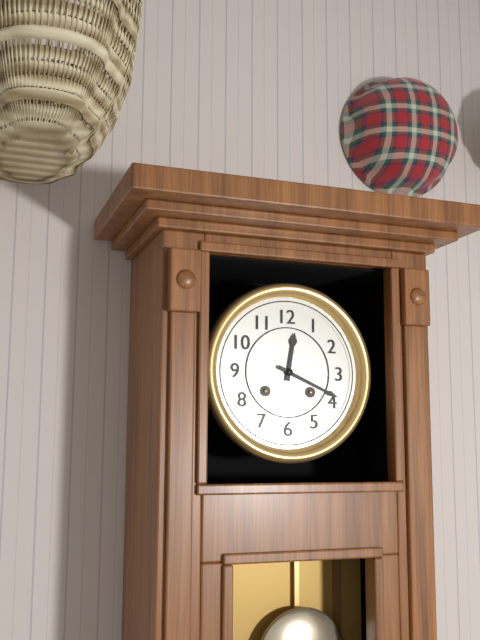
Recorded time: 12:19
